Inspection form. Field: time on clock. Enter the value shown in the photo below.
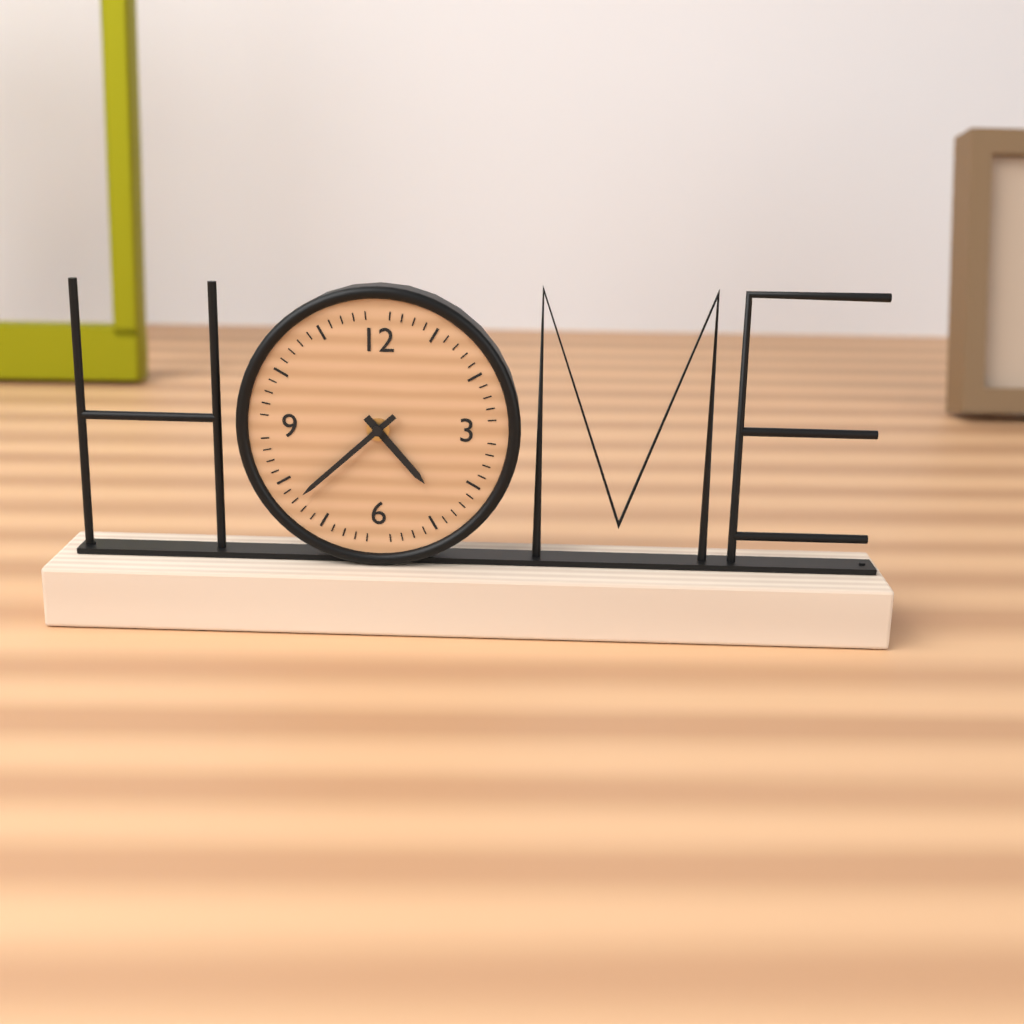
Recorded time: 4:38
